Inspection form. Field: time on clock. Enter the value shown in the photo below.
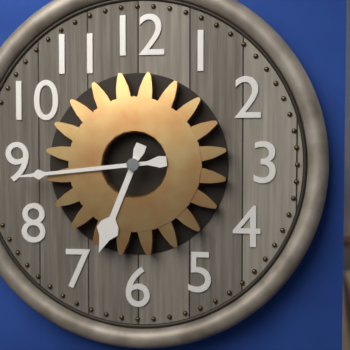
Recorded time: 6:44
